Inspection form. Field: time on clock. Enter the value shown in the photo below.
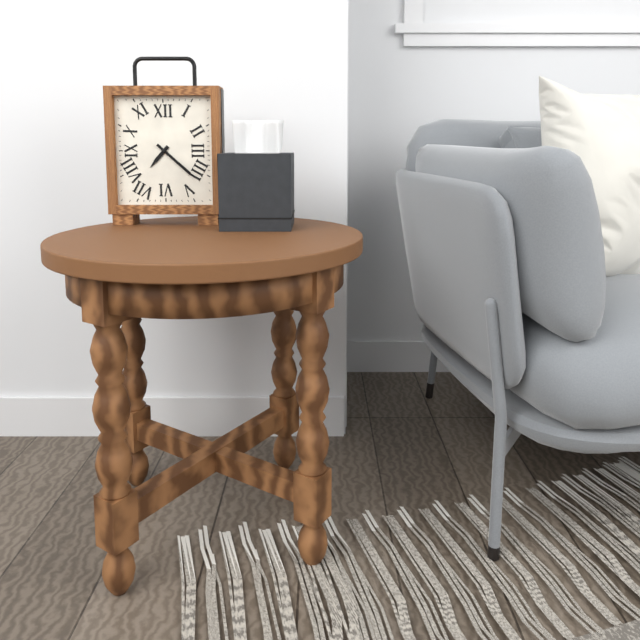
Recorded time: 7:22
